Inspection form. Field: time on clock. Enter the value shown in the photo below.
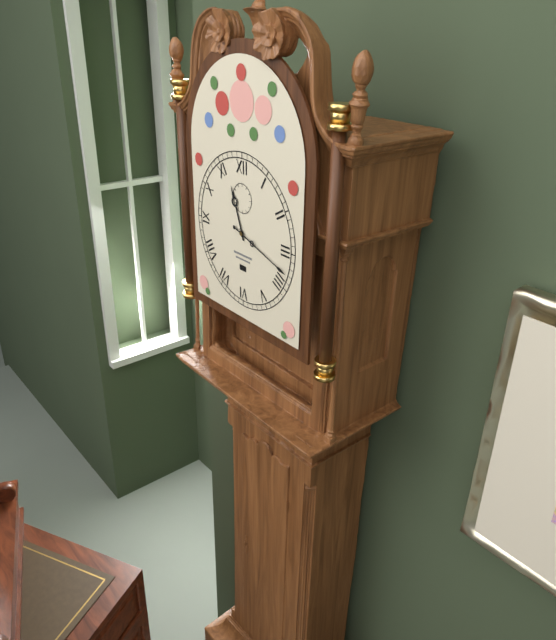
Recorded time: 11:18
